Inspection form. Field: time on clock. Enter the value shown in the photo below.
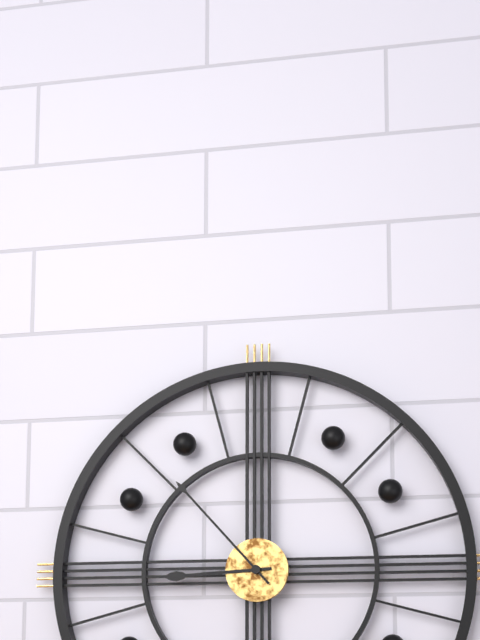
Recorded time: 8:53
